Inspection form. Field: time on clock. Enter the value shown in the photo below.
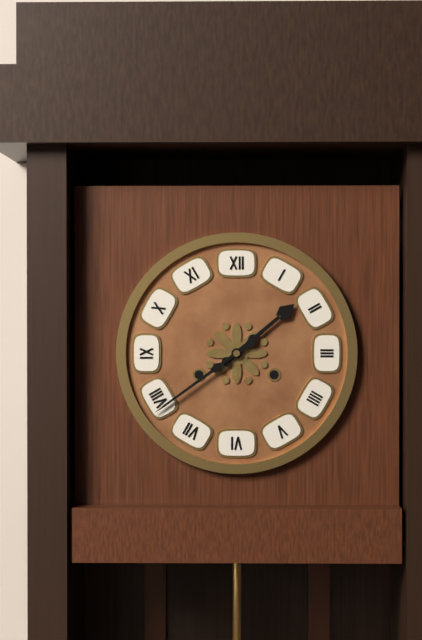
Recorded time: 1:39
